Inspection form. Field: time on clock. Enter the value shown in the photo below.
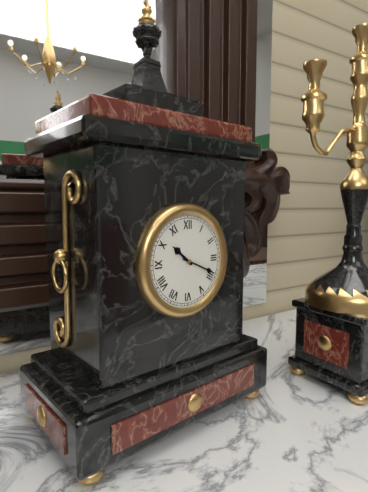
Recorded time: 10:19
